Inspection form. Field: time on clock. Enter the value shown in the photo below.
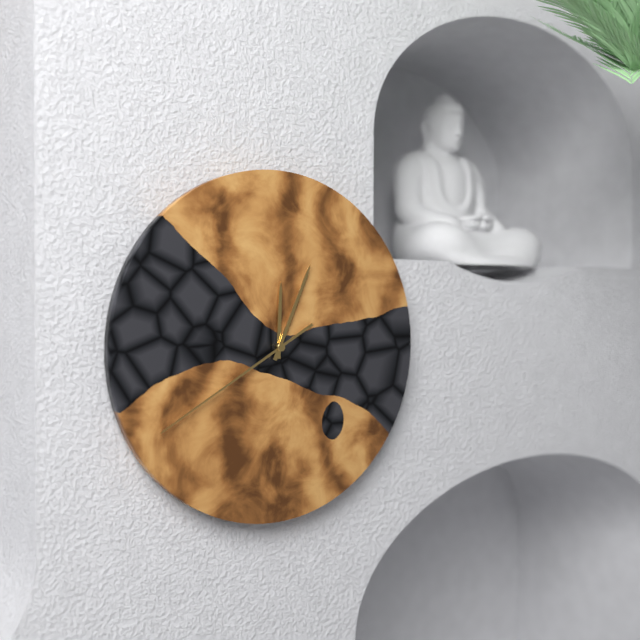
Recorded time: 12:04:40
